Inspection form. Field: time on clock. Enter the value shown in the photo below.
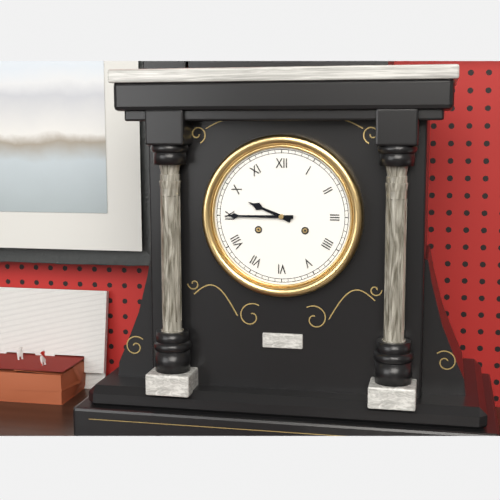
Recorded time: 9:45
